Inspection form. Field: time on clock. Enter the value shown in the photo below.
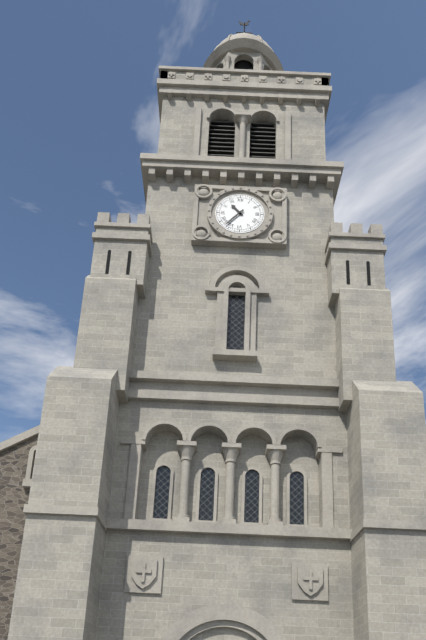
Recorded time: 10:37
